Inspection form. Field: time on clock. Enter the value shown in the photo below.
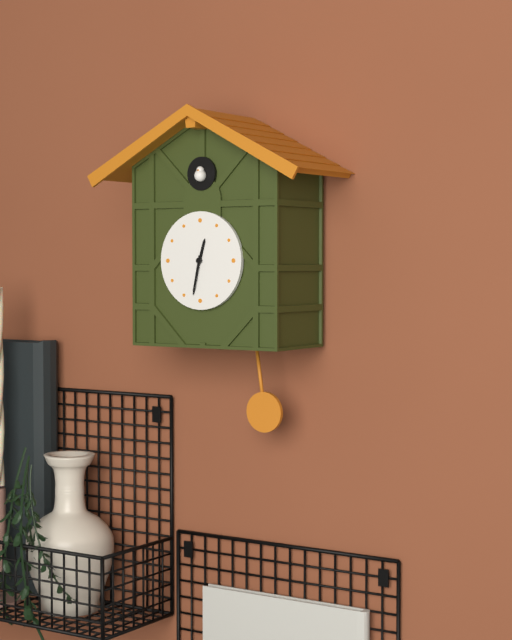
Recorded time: 12:32
